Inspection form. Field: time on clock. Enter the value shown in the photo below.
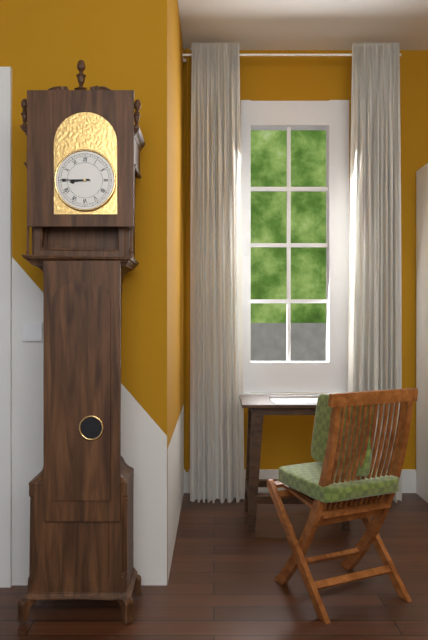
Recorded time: 8:45
